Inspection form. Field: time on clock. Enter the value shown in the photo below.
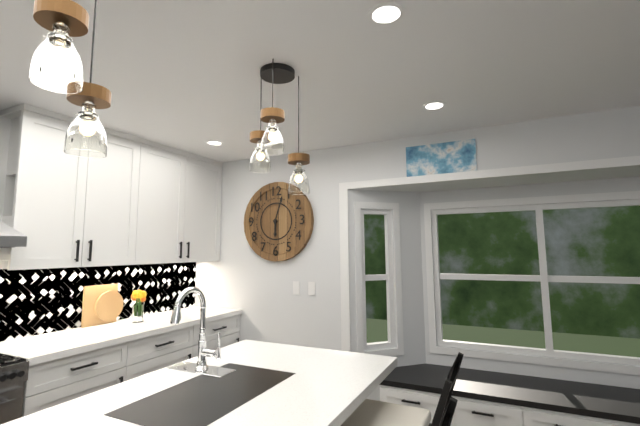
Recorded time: 6:03
